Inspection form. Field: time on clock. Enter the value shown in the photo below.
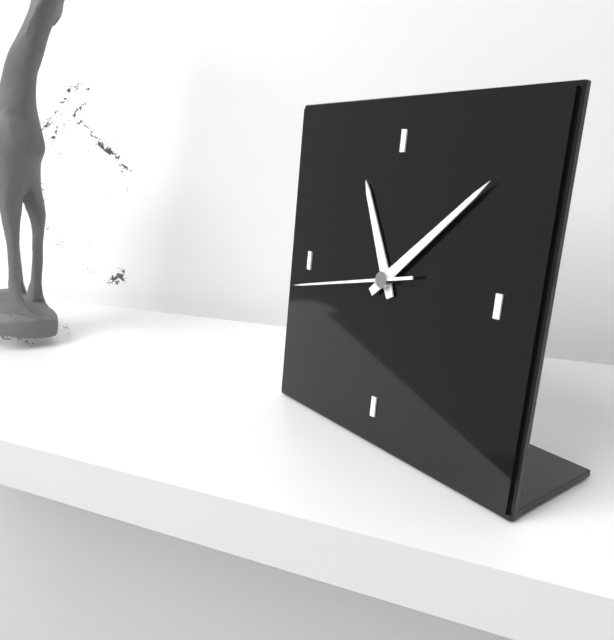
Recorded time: 11:08:43
